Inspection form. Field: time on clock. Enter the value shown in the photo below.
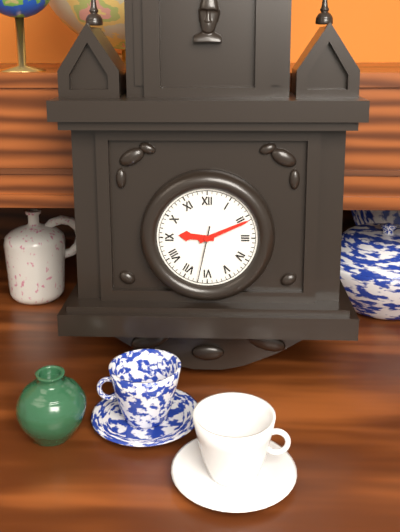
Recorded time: 9:11:32
